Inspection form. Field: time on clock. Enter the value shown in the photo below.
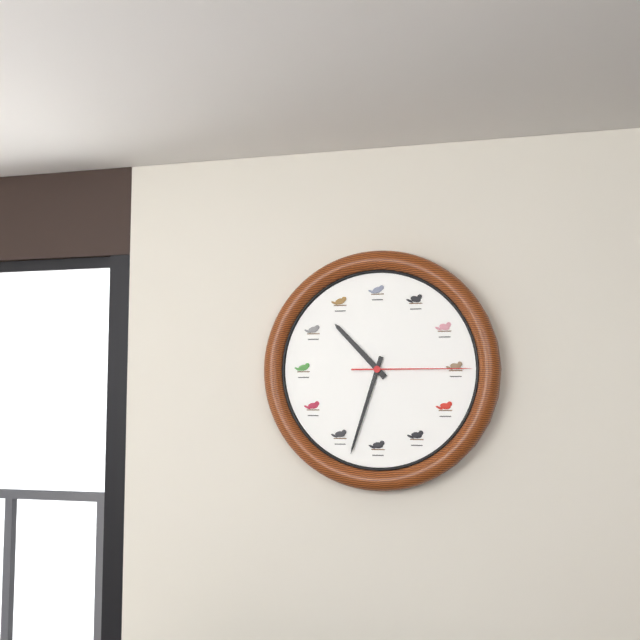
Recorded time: 10:33:15
